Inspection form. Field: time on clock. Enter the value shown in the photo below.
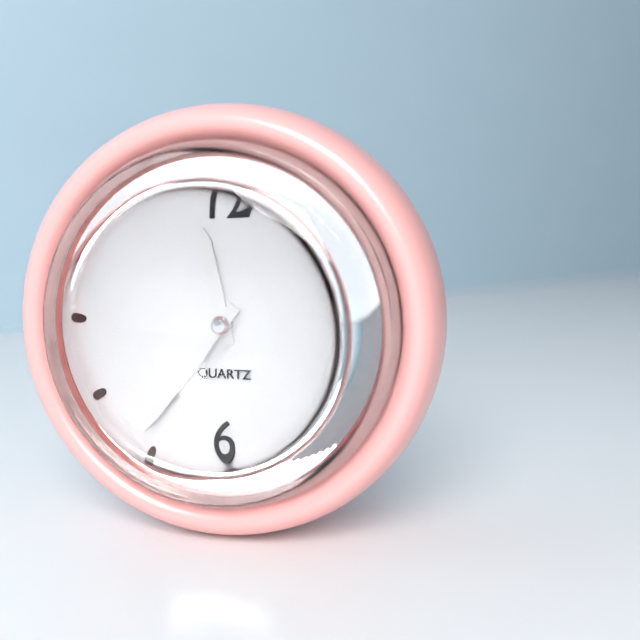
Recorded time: 11:36
